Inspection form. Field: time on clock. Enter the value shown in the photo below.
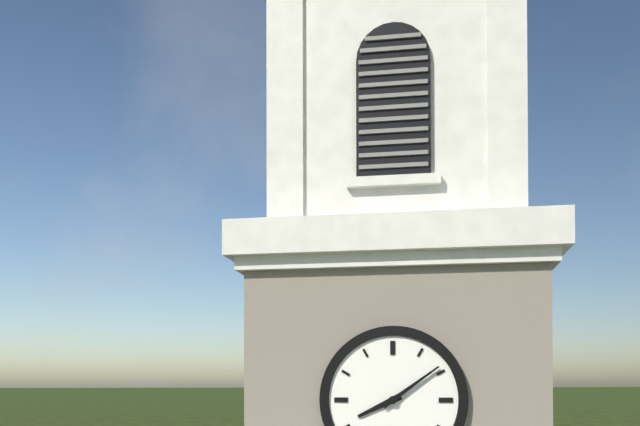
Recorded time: 8:09
